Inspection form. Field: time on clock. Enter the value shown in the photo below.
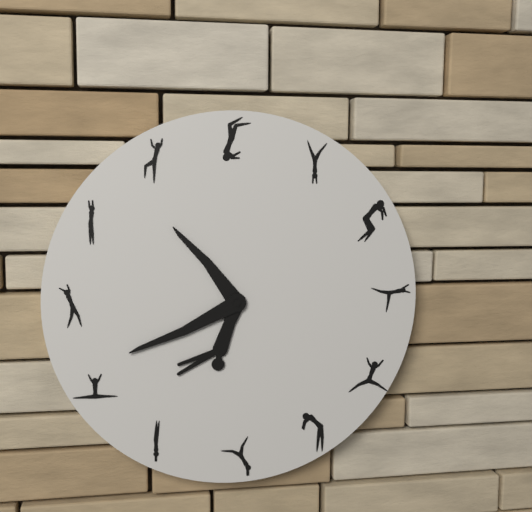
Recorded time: 10:41
